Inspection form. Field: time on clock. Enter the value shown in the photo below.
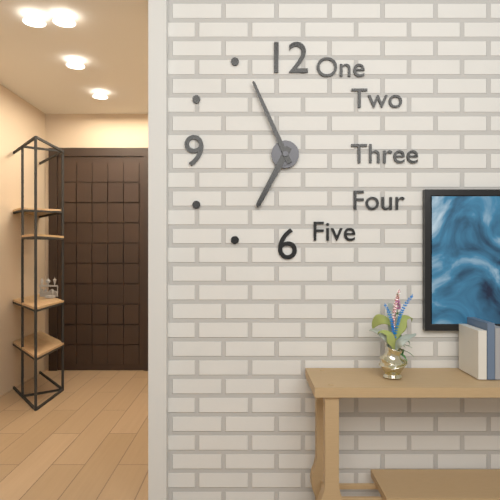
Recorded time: 6:56
